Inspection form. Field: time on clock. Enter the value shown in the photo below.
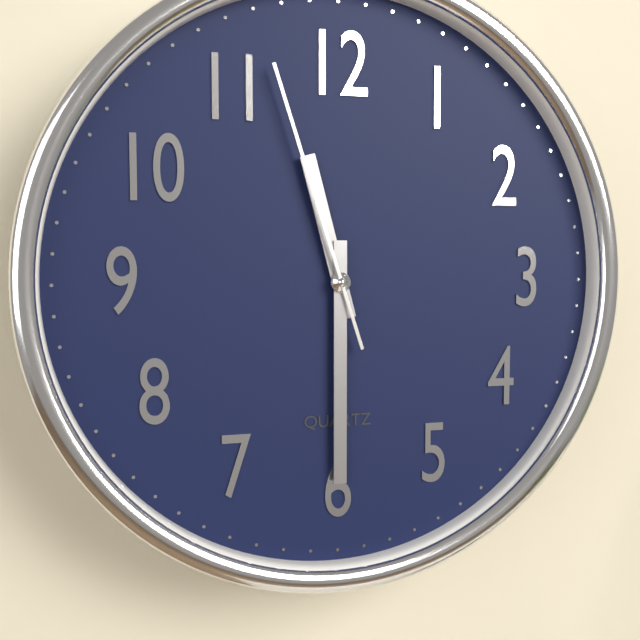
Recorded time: 11:30:57
